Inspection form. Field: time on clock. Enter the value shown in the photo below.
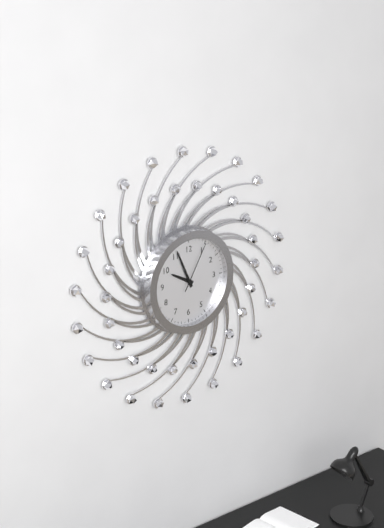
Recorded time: 9:56:05
